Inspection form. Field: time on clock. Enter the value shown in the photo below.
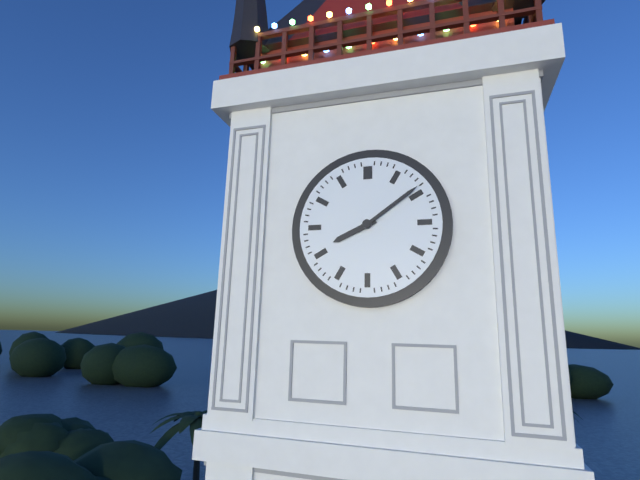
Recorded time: 8:09
